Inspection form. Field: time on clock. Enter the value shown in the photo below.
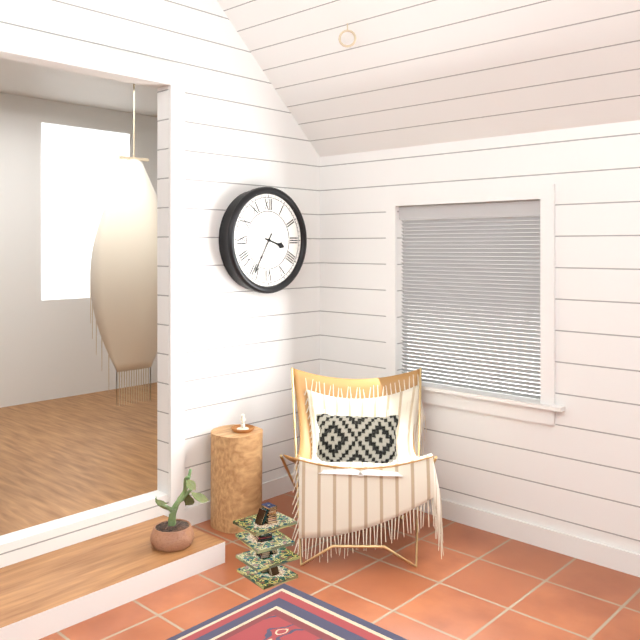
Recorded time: 3:35
